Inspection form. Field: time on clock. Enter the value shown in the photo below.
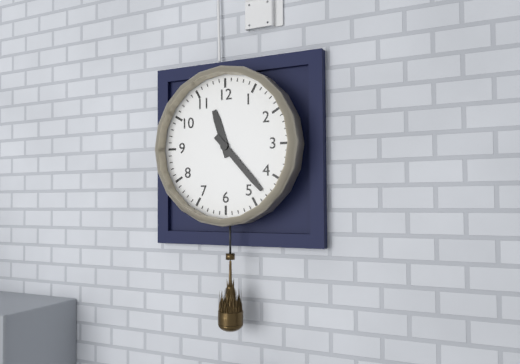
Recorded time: 11:23
